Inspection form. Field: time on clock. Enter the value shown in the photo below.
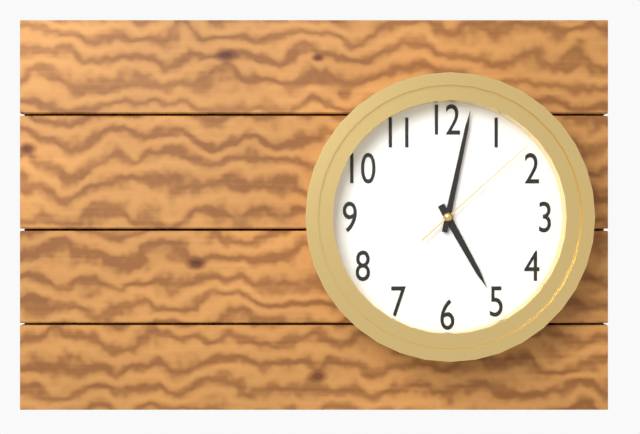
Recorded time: 5:02:08
